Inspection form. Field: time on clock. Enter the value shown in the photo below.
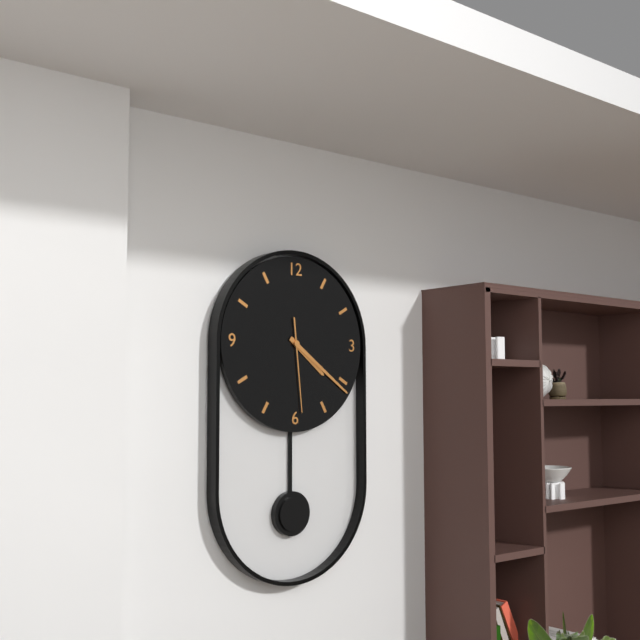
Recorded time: 4:21:29
